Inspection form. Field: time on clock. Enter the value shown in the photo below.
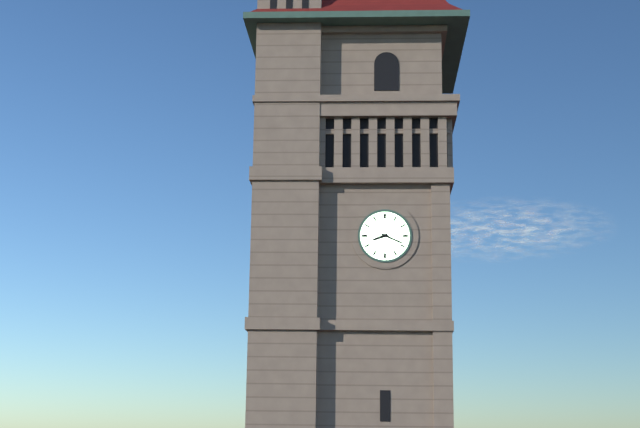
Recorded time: 8:19
